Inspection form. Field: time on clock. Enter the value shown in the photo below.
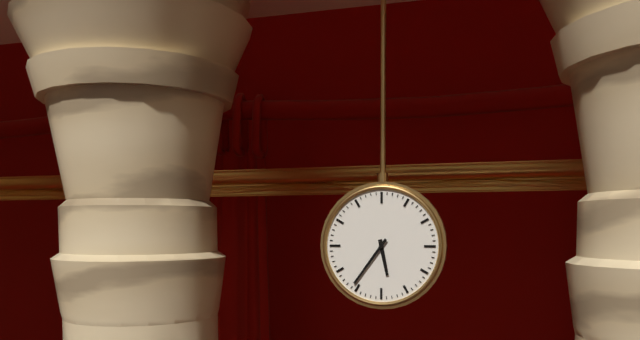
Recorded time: 5:36
